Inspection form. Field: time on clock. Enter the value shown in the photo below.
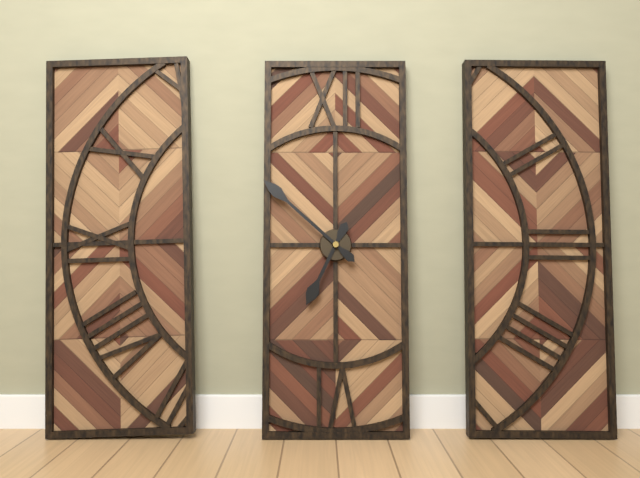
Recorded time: 6:52
